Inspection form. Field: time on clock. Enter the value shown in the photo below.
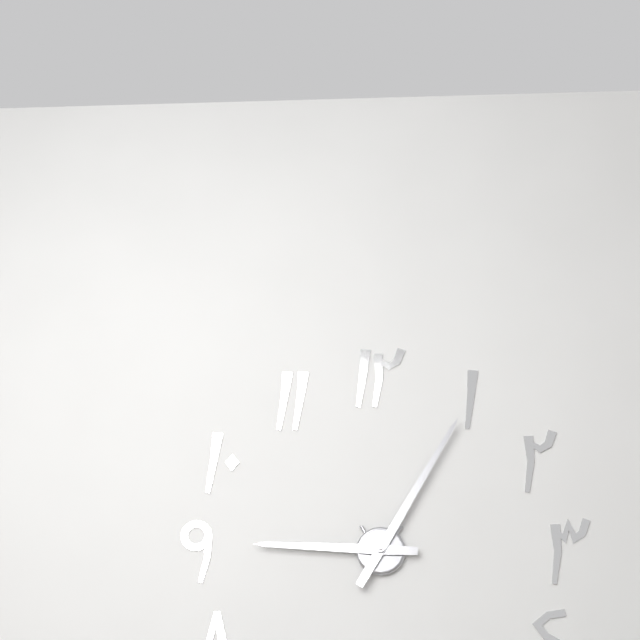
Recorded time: 9:05
